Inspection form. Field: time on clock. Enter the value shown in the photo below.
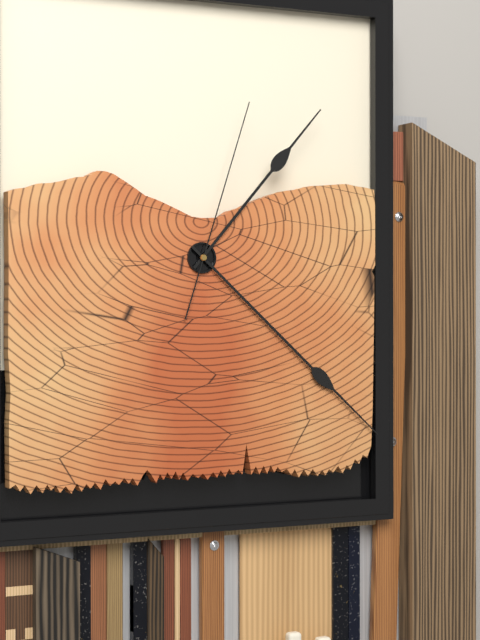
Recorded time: 1:22:03
